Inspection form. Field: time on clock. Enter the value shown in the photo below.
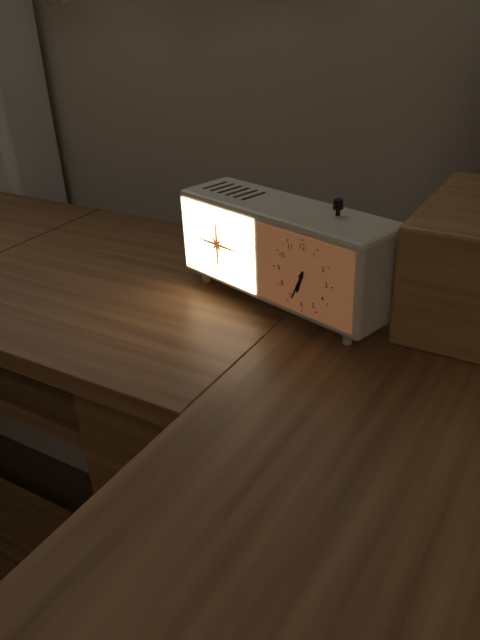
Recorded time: 6:34
